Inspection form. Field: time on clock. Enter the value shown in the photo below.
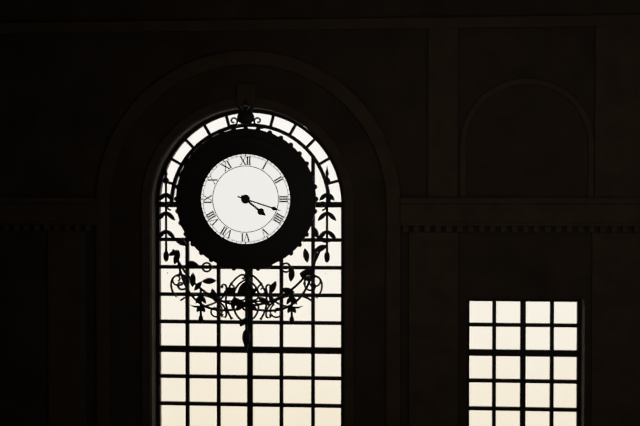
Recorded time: 4:18
